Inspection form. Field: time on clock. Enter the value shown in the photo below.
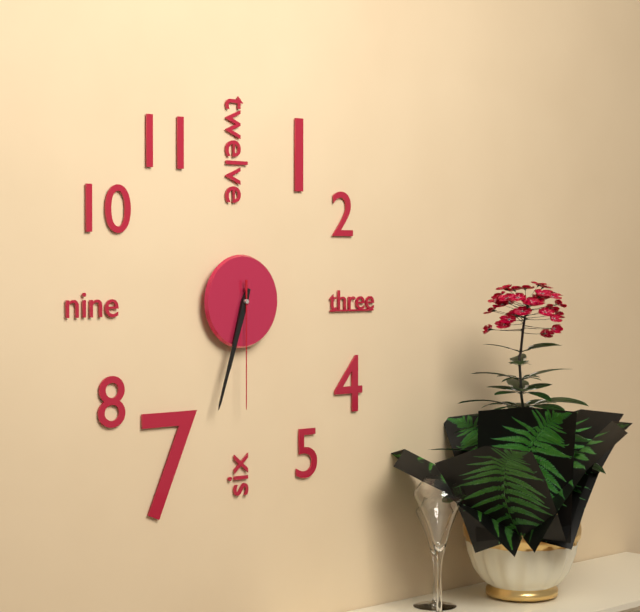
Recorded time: 6:33:30
